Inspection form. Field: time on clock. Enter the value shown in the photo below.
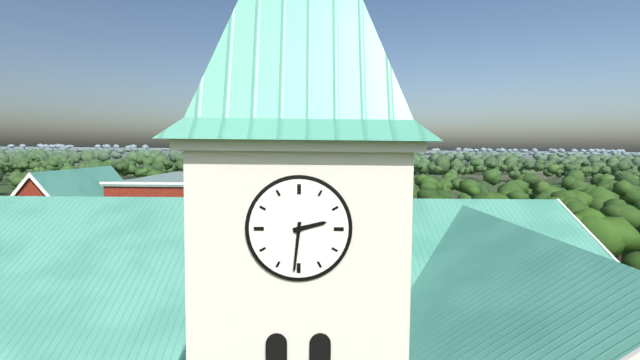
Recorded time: 2:31
